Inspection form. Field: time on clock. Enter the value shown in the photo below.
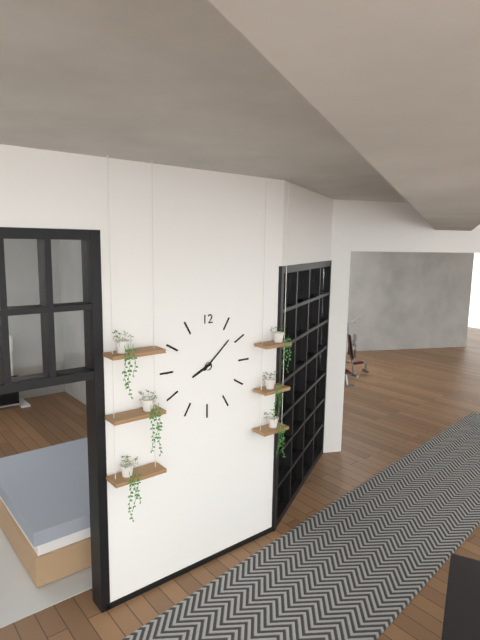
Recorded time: 8:08
